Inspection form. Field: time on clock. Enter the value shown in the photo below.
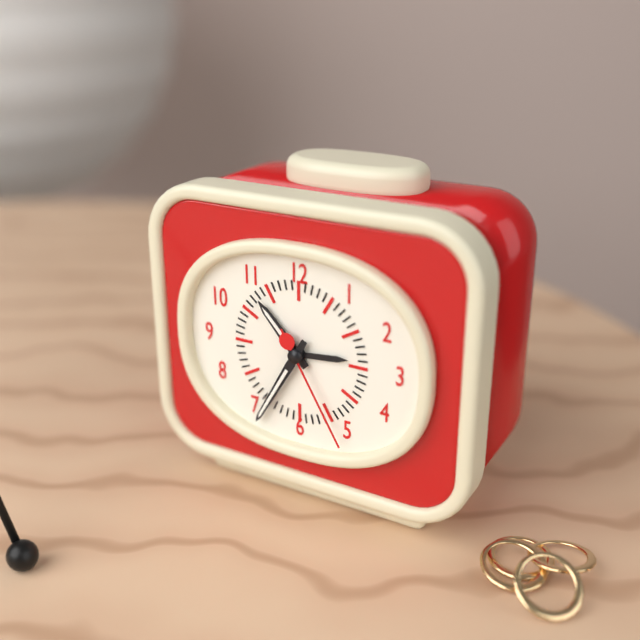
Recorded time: 10:35:25
